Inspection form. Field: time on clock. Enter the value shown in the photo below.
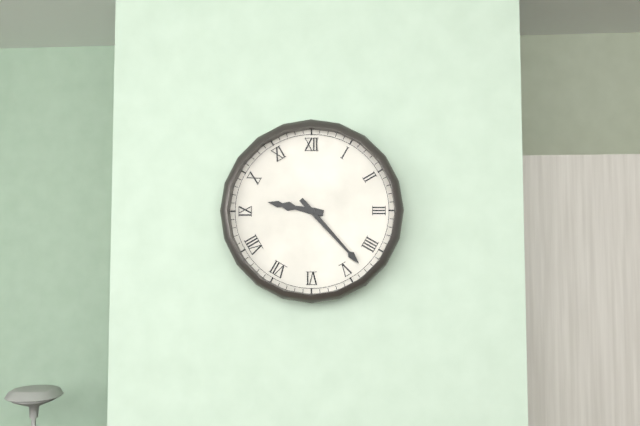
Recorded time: 9:23
